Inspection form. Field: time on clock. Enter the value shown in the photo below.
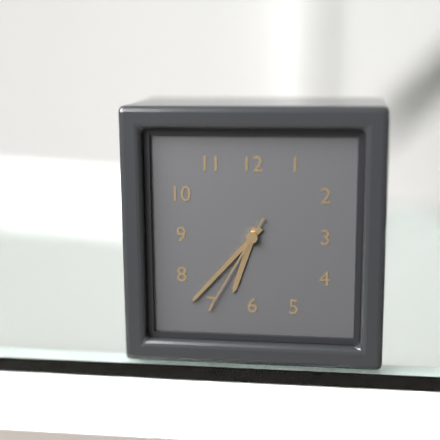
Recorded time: 6:37:35
